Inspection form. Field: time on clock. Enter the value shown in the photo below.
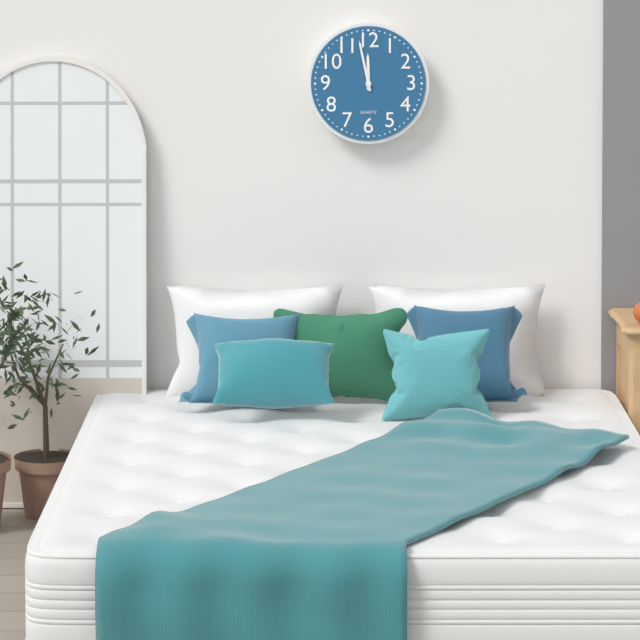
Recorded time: 11:58
